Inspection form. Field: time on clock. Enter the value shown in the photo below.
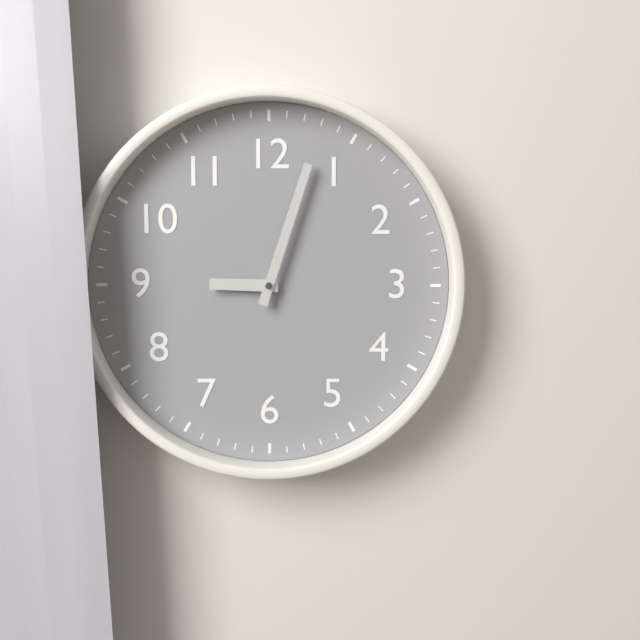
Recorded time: 9:03
